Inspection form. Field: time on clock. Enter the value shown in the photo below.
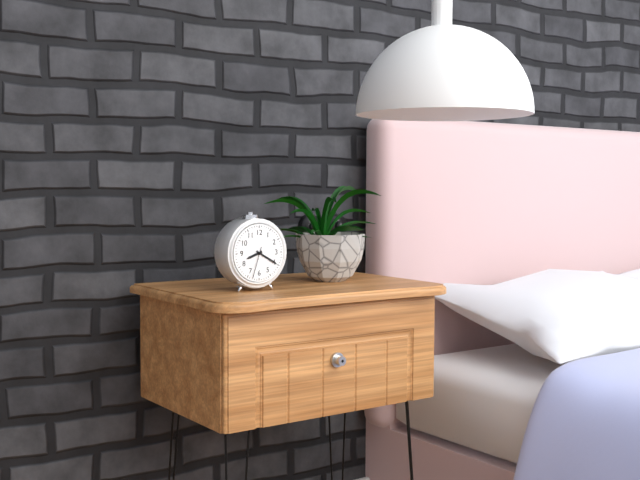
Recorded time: 8:20
